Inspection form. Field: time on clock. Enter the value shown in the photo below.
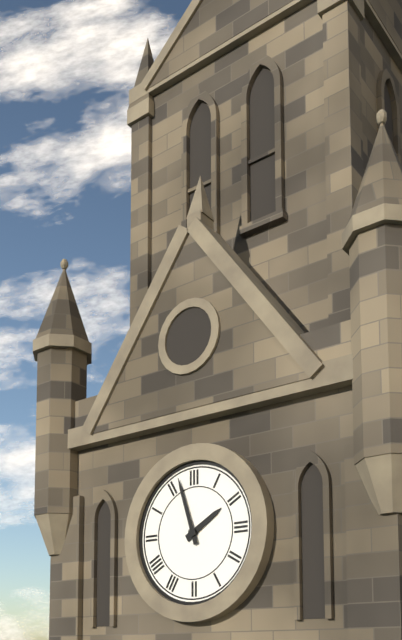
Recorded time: 1:57
